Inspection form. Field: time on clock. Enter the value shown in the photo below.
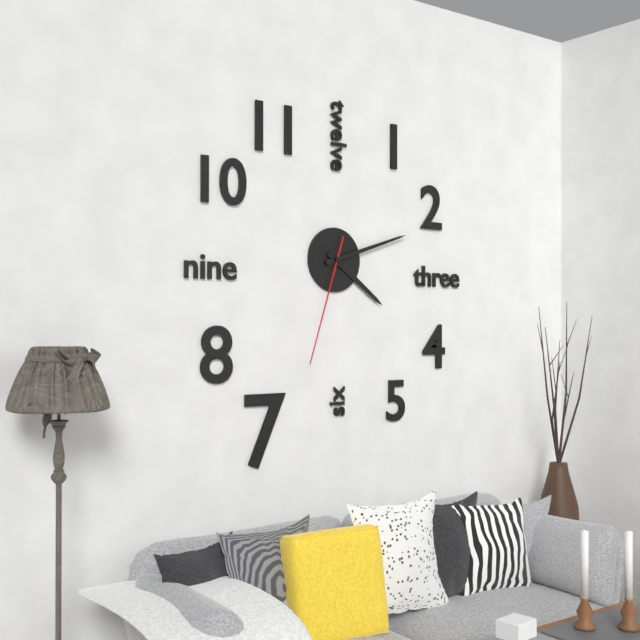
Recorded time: 4:12:33
